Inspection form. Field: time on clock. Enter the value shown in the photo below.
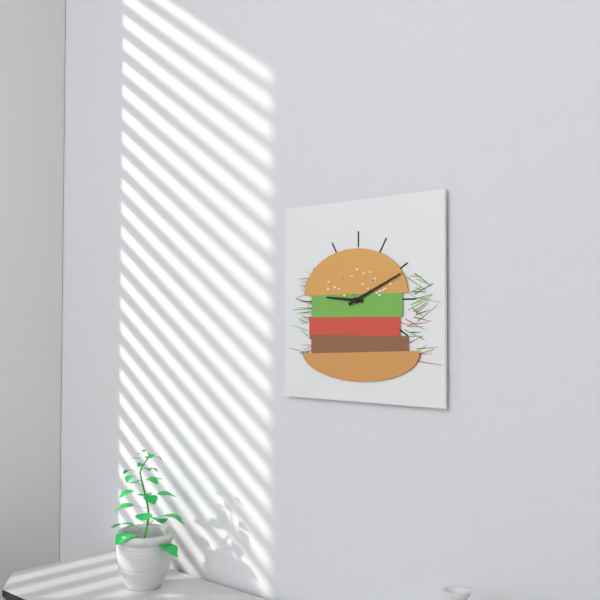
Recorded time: 9:11
